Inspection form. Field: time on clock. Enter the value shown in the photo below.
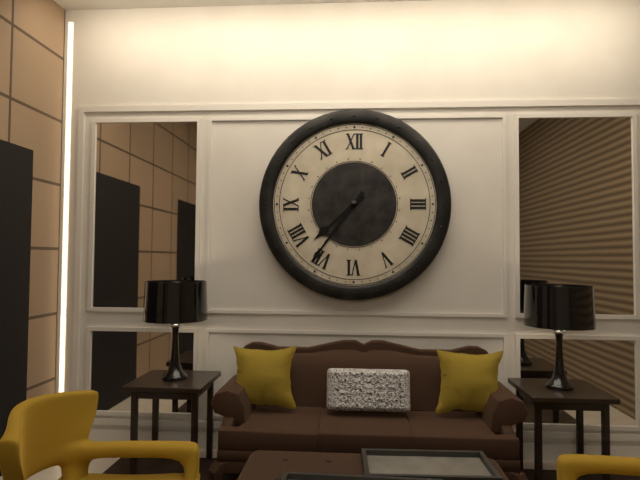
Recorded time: 7:36
